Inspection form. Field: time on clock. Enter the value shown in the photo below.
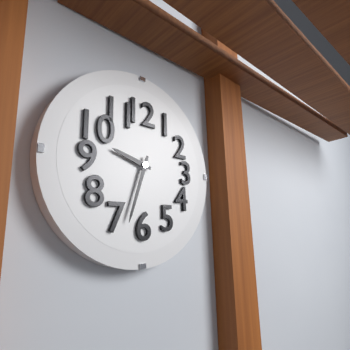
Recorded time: 9:33
